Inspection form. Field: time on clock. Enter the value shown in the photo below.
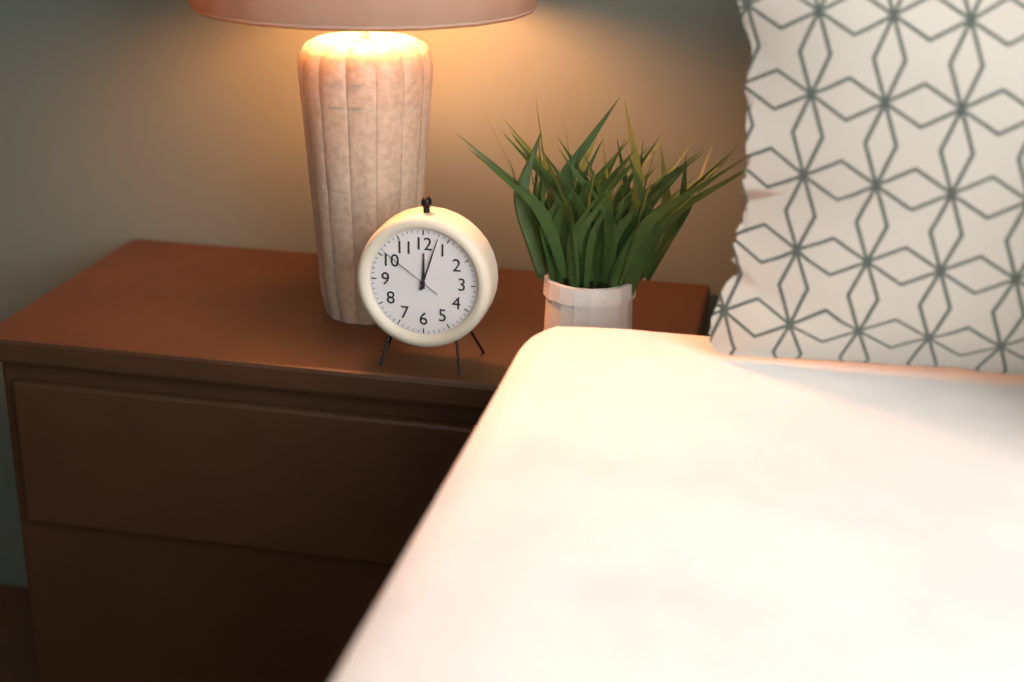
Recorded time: 12:03:51
